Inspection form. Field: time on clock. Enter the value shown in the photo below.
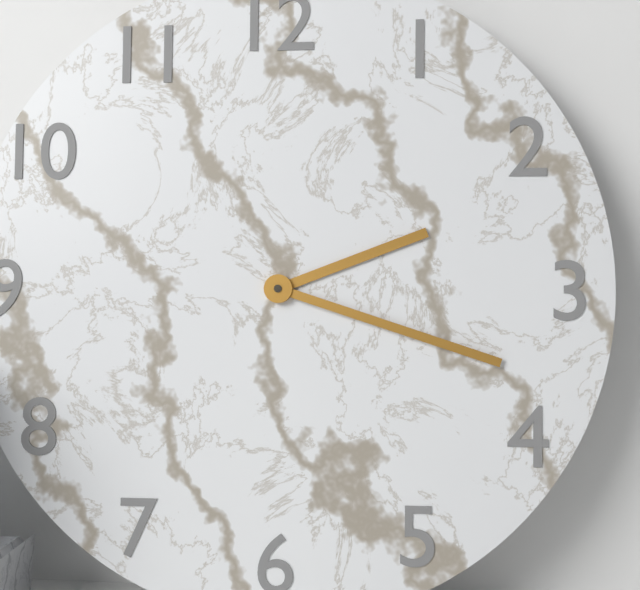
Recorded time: 2:18
